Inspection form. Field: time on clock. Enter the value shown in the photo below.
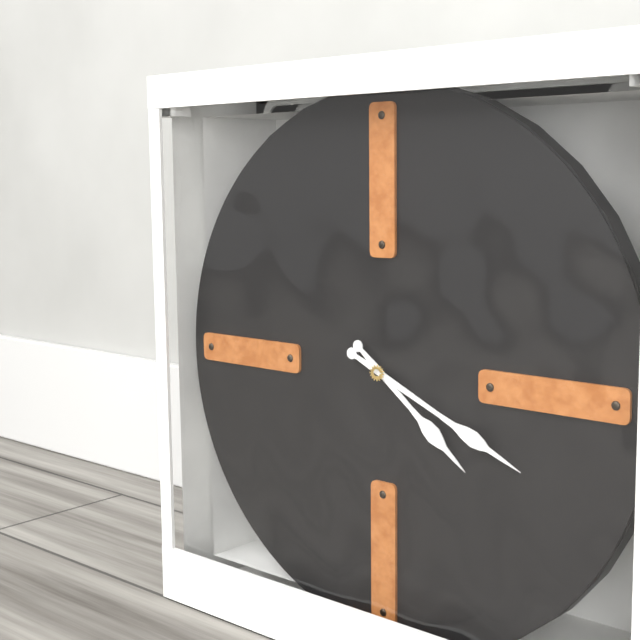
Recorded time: 4:19
